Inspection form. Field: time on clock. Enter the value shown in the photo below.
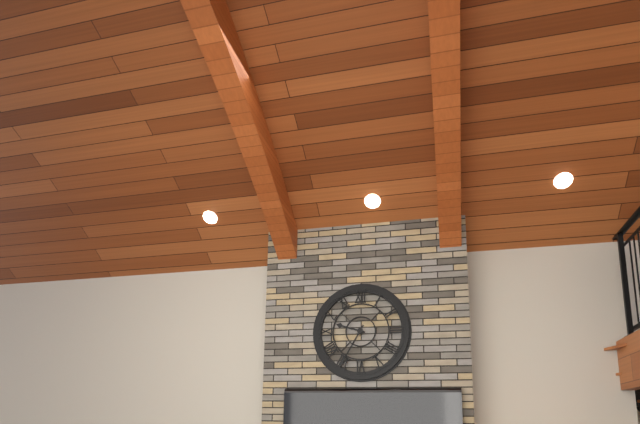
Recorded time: 9:35
